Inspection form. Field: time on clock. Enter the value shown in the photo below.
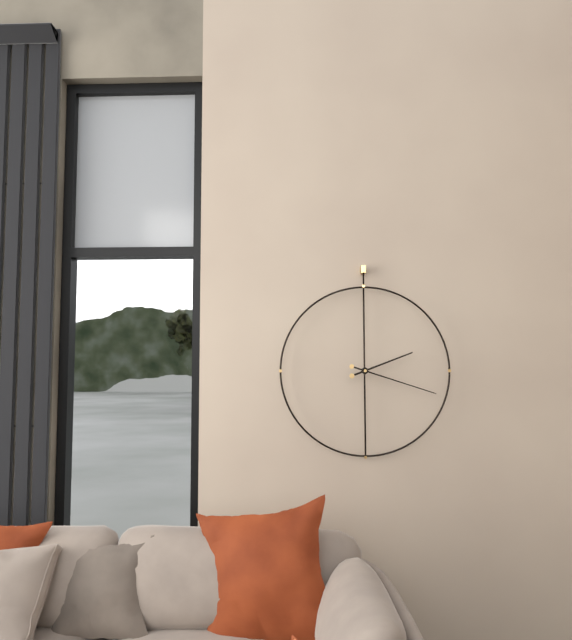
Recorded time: 2:18
